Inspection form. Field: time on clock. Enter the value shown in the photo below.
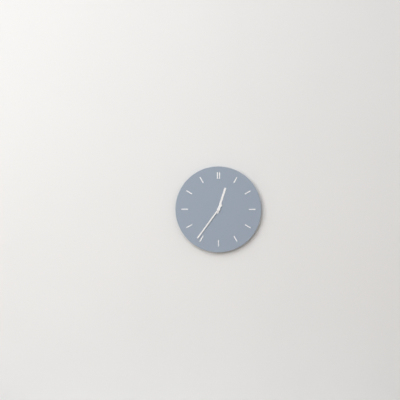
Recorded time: 12:36
